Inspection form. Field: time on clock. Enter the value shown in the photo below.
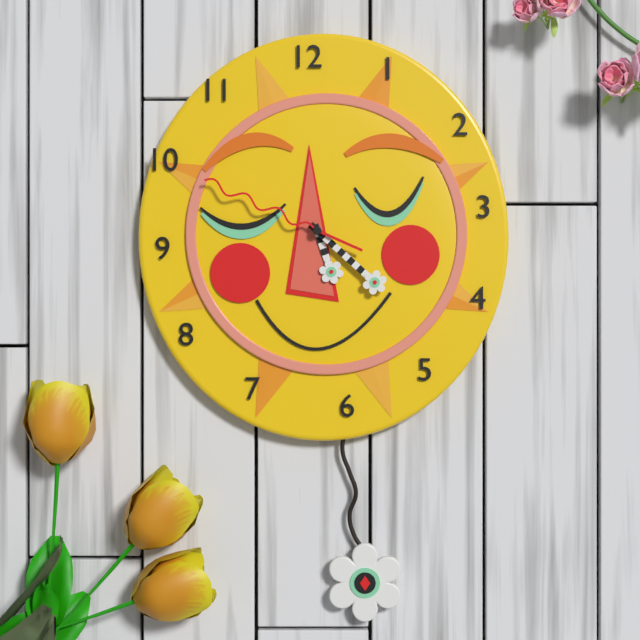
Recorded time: 5:22:49
